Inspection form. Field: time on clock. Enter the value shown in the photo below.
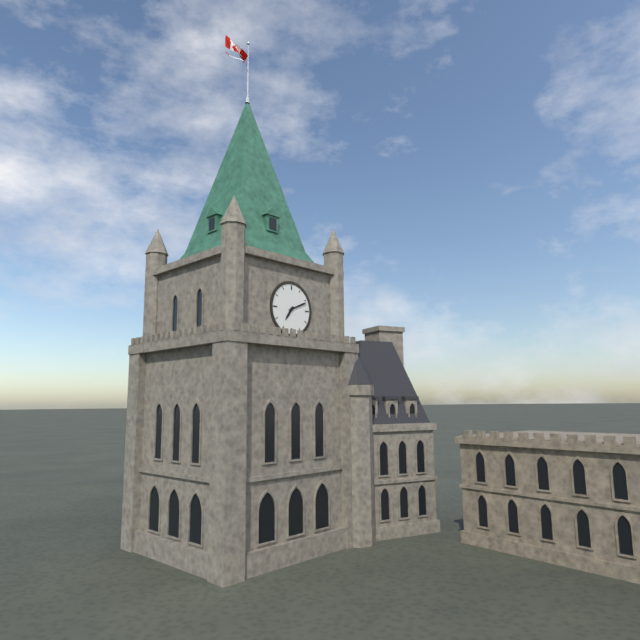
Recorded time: 7:11
